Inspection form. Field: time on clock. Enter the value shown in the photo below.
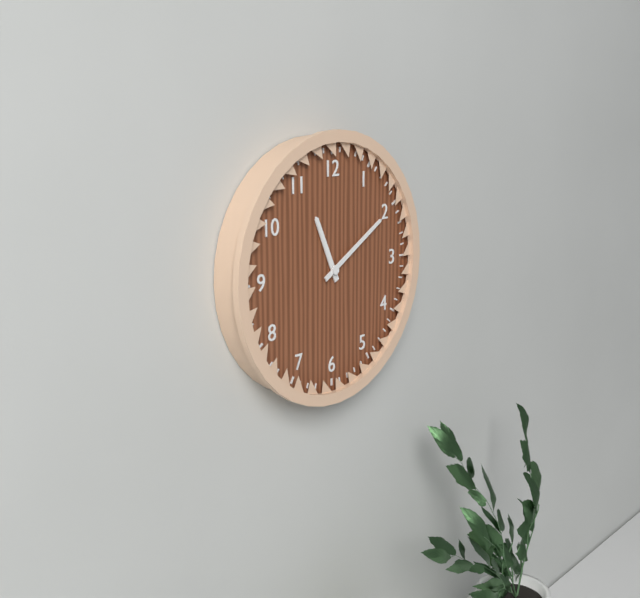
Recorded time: 11:10
